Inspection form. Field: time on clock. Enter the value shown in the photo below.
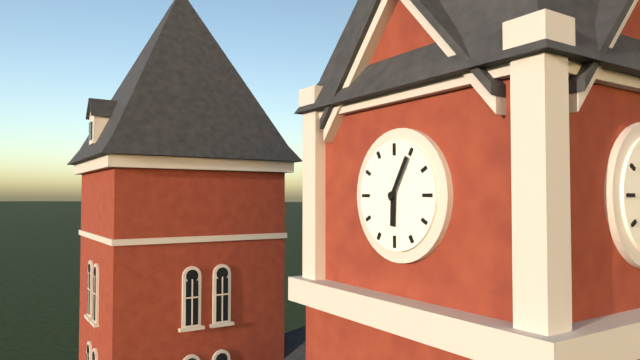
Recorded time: 6:05
